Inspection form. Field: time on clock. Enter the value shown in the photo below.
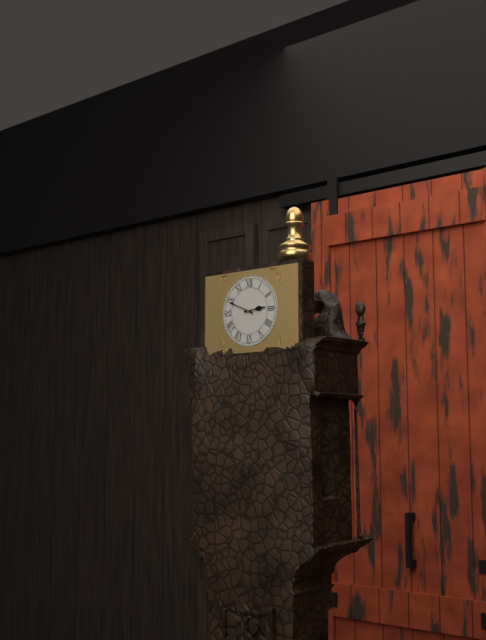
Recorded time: 2:49
